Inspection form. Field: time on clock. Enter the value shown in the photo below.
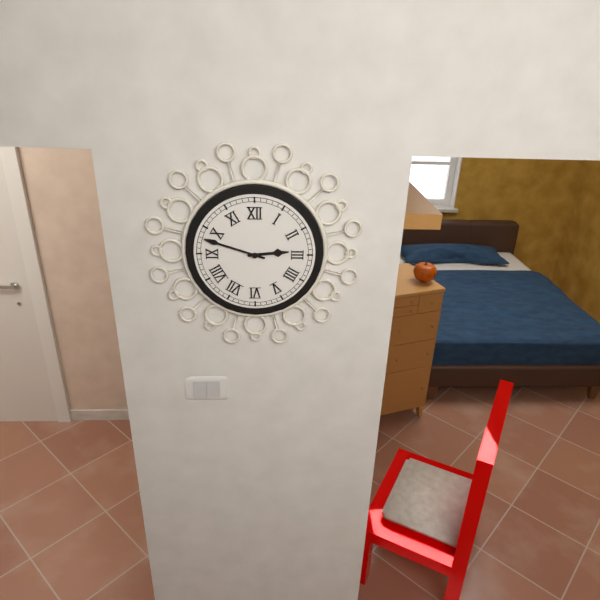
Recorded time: 2:48
